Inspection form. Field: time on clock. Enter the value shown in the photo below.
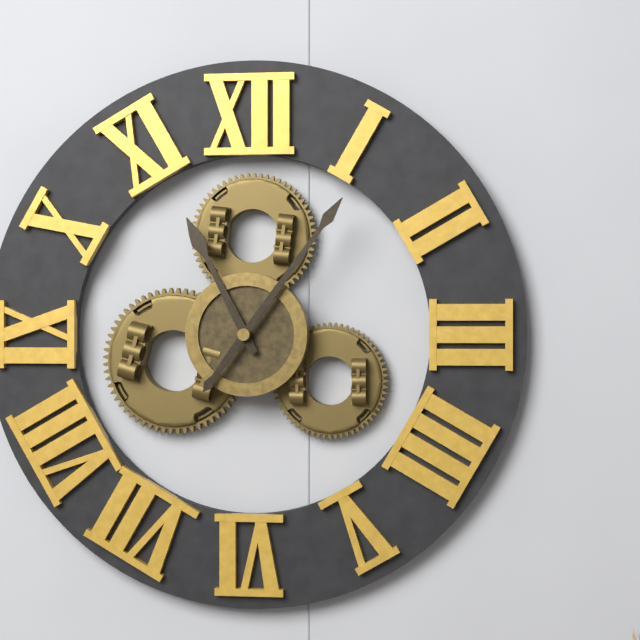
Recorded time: 11:06
